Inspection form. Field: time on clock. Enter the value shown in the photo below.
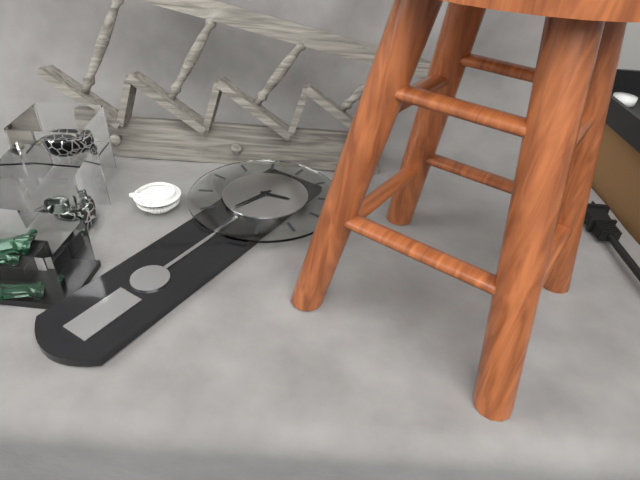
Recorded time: 2:32
